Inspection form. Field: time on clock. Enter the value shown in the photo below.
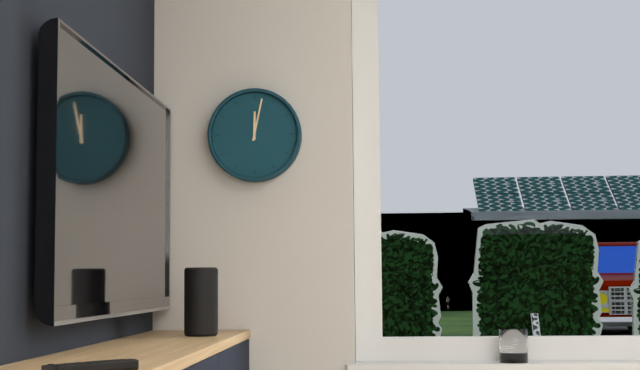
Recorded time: 12:02
